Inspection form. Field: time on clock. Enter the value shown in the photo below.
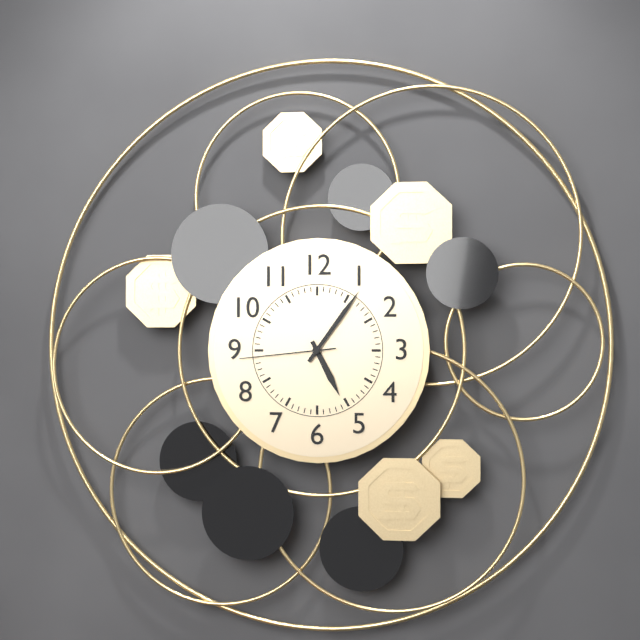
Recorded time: 5:06:44
